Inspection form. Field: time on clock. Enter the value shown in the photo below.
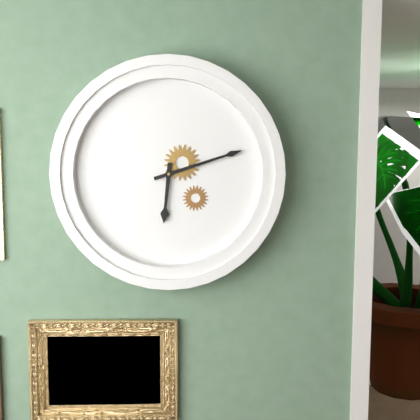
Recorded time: 6:12
